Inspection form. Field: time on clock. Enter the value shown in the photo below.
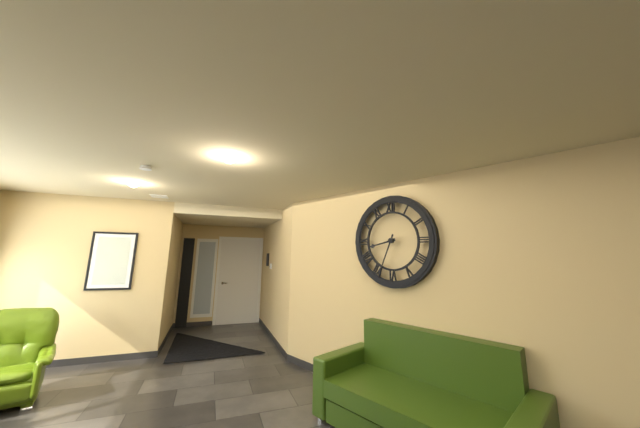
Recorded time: 8:34
